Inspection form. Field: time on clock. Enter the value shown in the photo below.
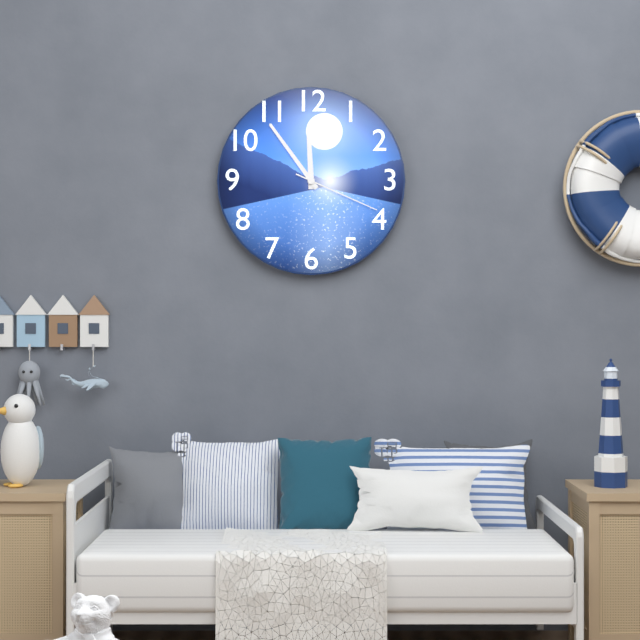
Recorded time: 11:54:19
